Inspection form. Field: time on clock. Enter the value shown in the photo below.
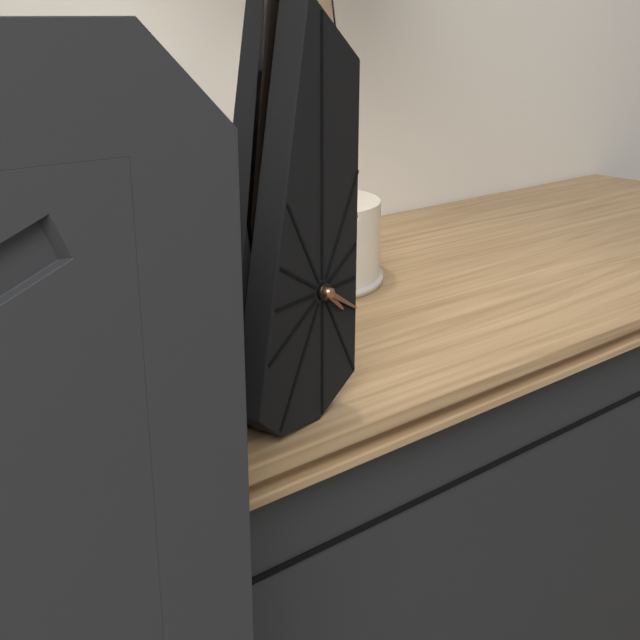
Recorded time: 4:20
